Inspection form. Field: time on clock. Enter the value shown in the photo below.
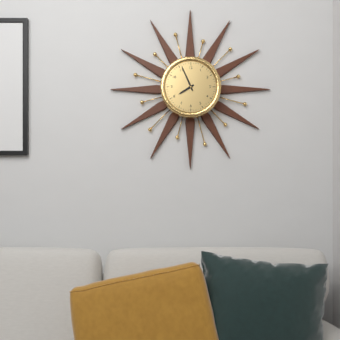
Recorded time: 7:56
